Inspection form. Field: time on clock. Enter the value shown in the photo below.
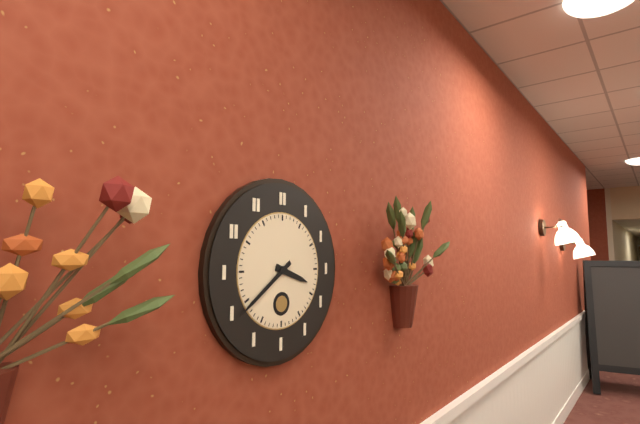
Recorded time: 3:39
